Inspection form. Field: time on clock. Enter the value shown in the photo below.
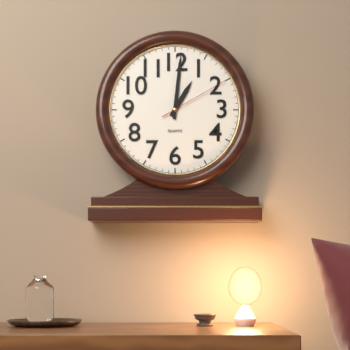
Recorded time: 1:01:10
